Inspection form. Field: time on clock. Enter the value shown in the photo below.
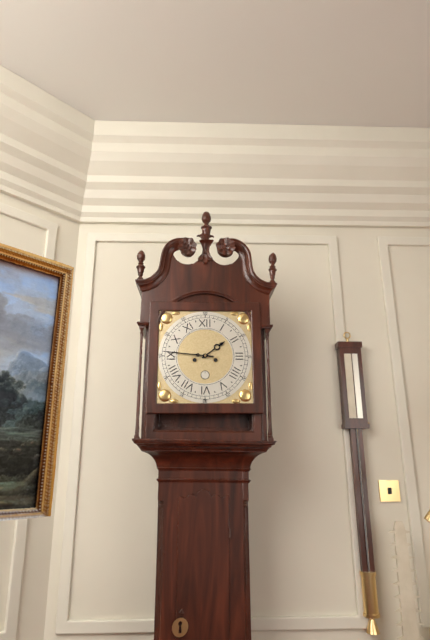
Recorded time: 1:46
